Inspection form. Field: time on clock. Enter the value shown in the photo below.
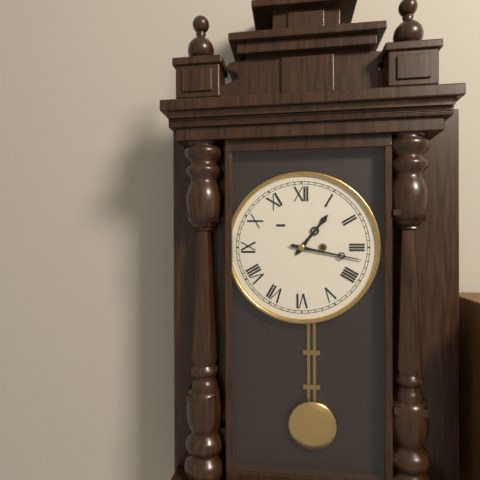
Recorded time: 1:17
